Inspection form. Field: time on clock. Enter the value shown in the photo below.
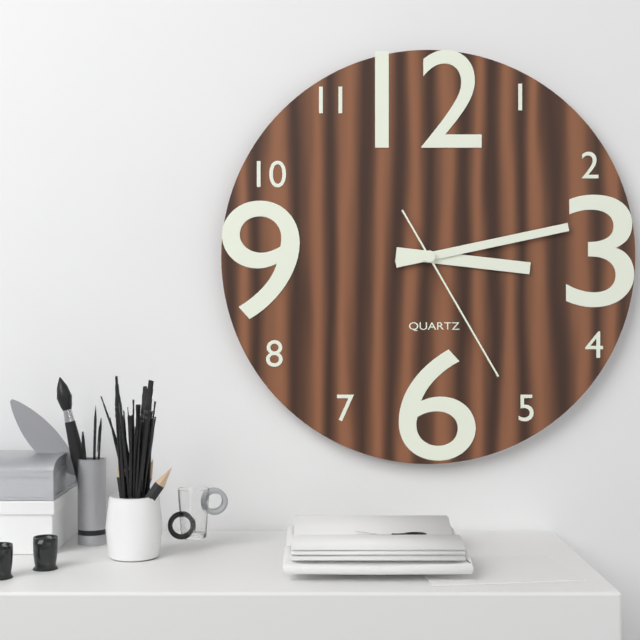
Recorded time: 3:13:25
